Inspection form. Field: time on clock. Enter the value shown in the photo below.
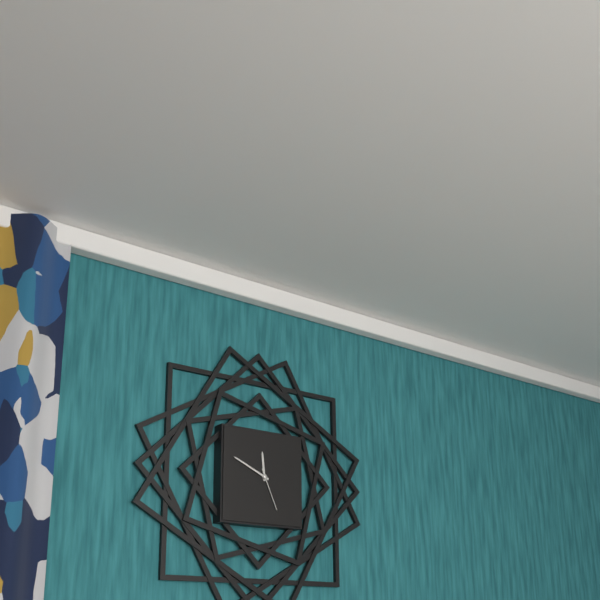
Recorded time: 11:49
